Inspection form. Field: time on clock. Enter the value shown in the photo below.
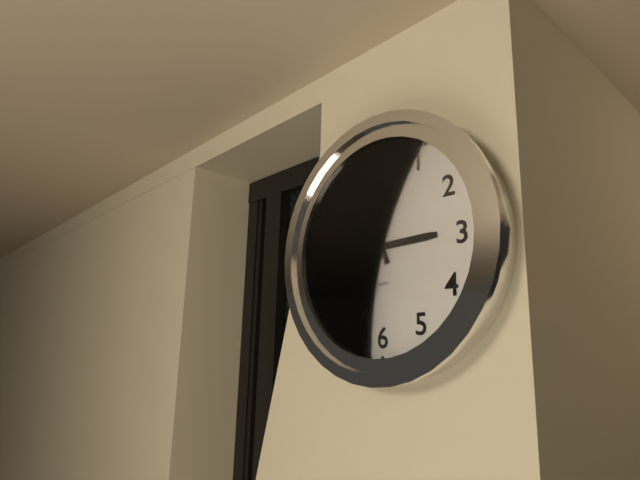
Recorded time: 2:56
